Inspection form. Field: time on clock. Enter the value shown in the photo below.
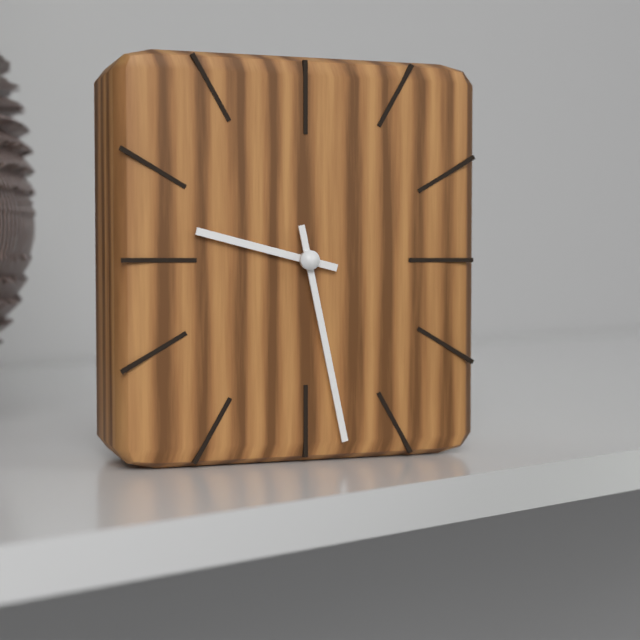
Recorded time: 9:28
